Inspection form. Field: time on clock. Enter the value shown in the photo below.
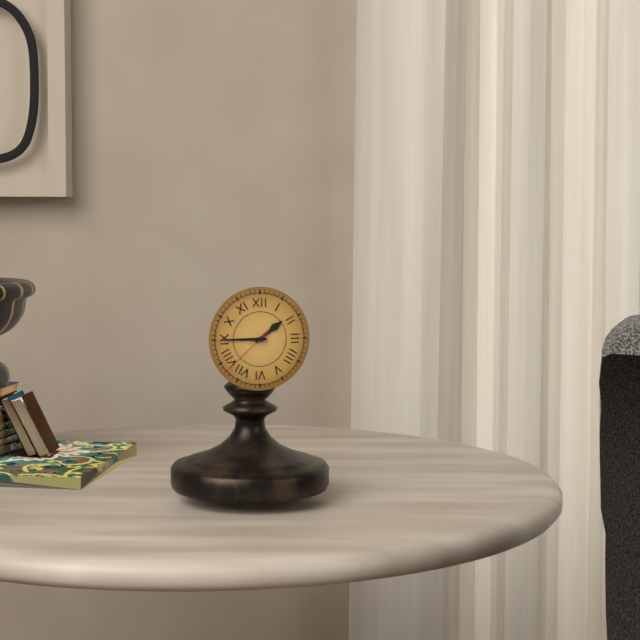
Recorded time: 1:45:38
